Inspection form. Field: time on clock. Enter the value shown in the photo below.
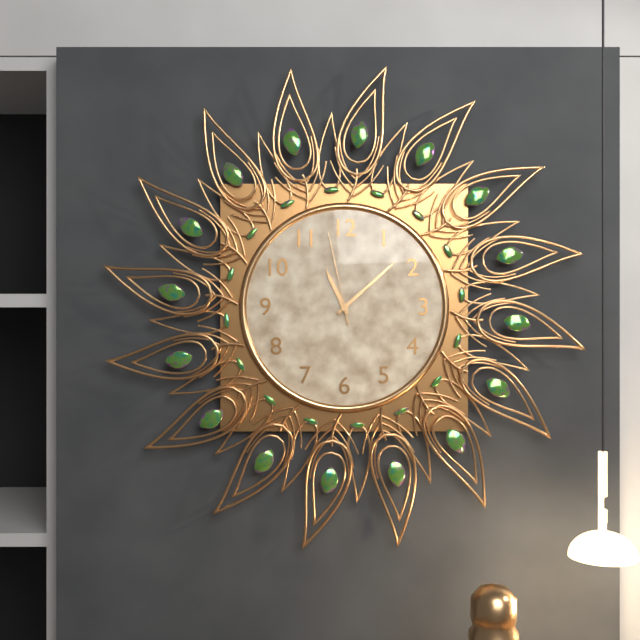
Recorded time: 11:08:58
